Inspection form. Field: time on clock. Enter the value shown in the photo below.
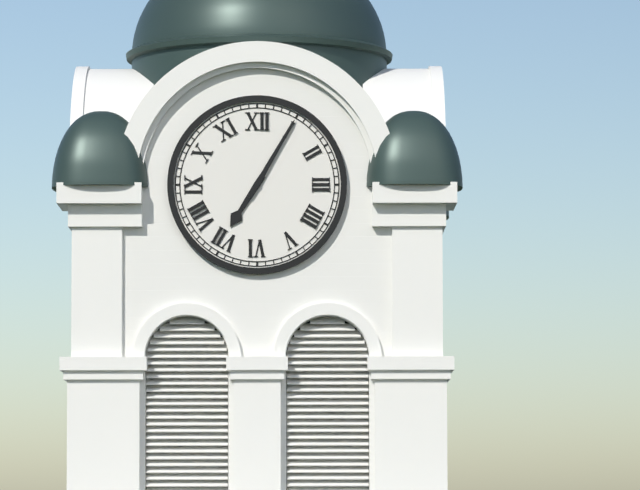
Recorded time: 7:05
